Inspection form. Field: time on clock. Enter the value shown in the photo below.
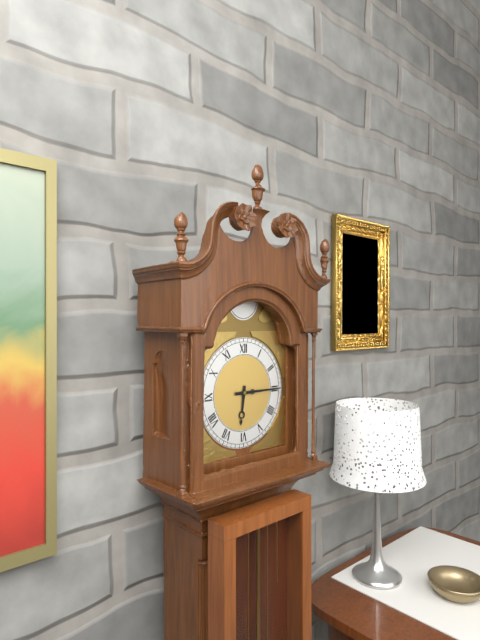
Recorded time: 6:15
